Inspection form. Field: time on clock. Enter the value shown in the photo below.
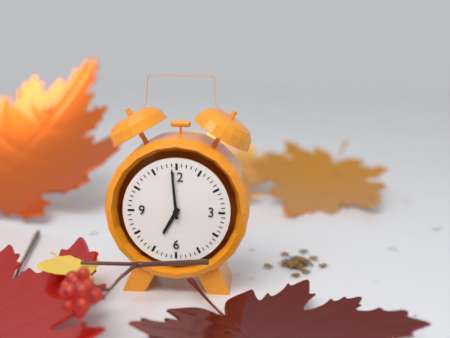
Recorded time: 6:59
